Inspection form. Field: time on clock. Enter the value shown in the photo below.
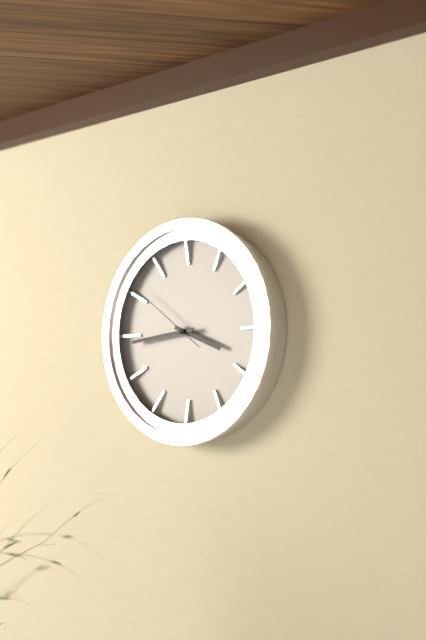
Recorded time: 3:44:51
